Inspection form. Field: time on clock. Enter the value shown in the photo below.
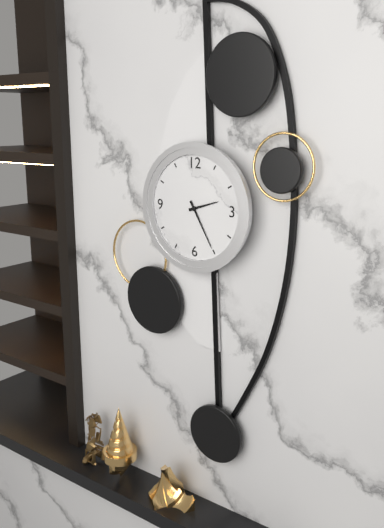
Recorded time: 2:25
